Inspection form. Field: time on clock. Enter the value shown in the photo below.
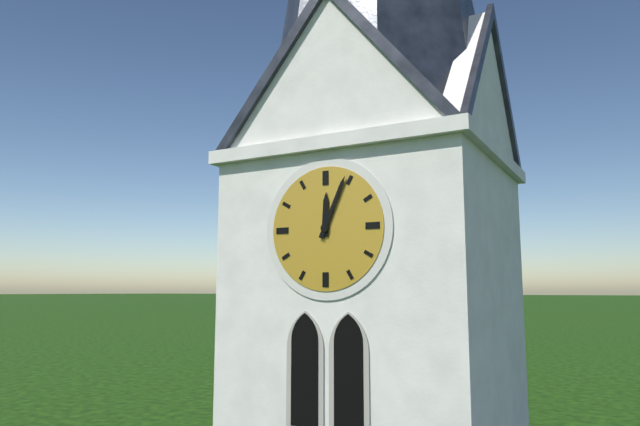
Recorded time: 12:04
